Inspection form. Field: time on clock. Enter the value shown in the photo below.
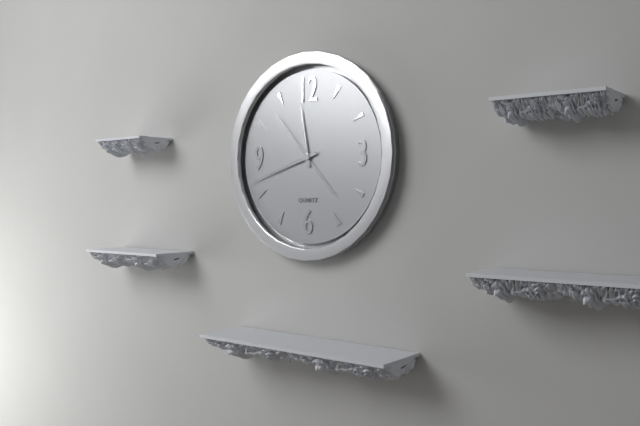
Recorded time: 11:42:53
